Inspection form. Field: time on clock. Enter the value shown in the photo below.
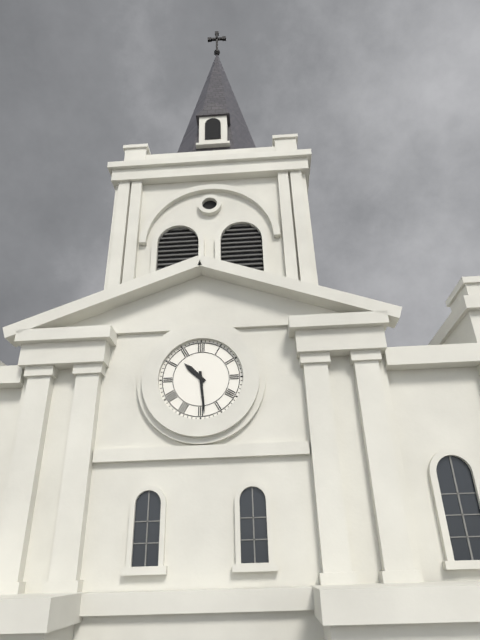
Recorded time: 10:29
